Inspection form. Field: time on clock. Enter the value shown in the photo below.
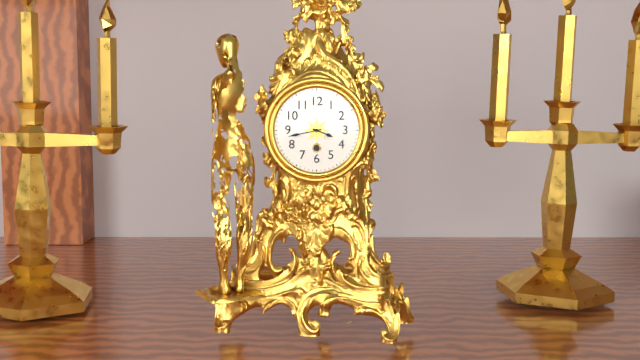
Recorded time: 3:43
